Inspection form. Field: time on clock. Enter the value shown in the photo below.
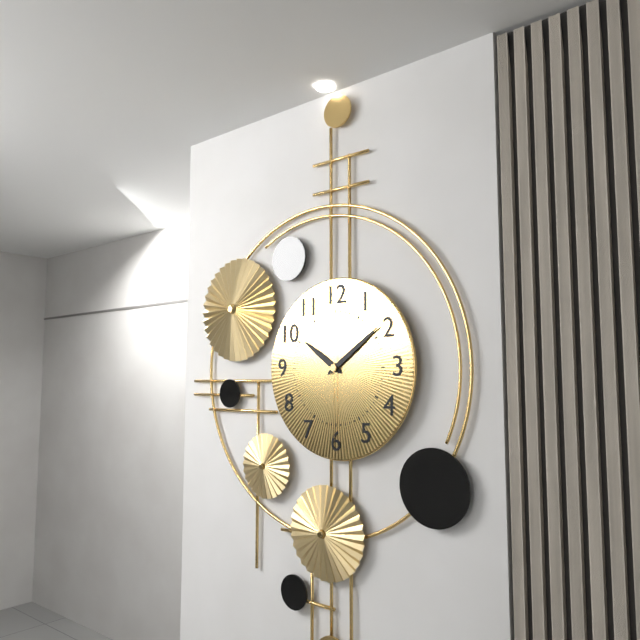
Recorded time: 10:09:30
